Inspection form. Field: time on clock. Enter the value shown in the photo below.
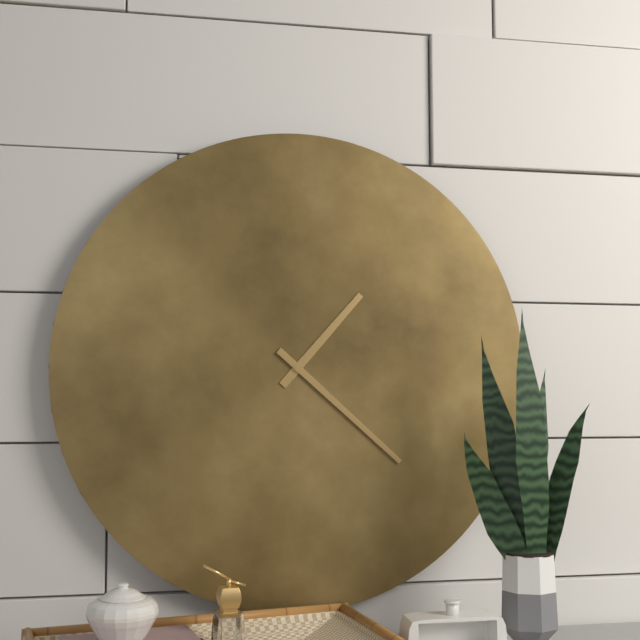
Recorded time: 1:22
